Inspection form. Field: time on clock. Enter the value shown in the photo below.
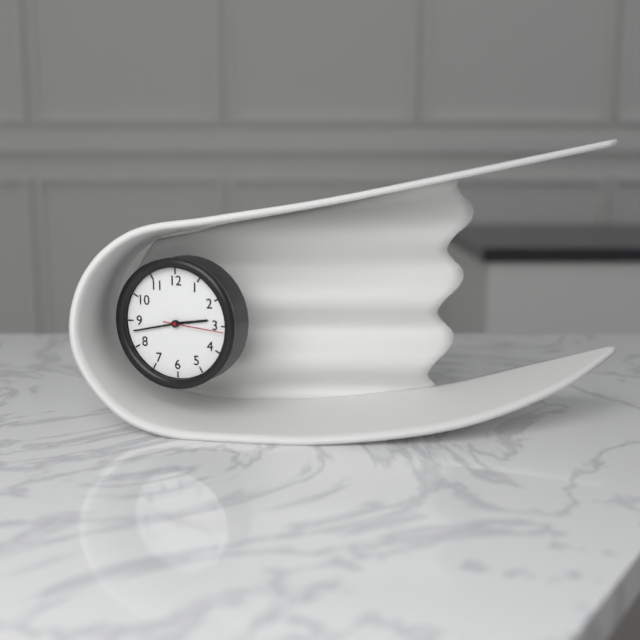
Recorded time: 2:43:16
